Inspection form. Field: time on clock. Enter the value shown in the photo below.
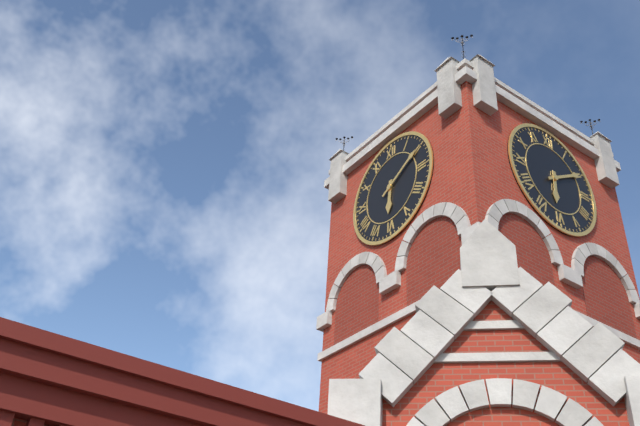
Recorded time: 6:10
